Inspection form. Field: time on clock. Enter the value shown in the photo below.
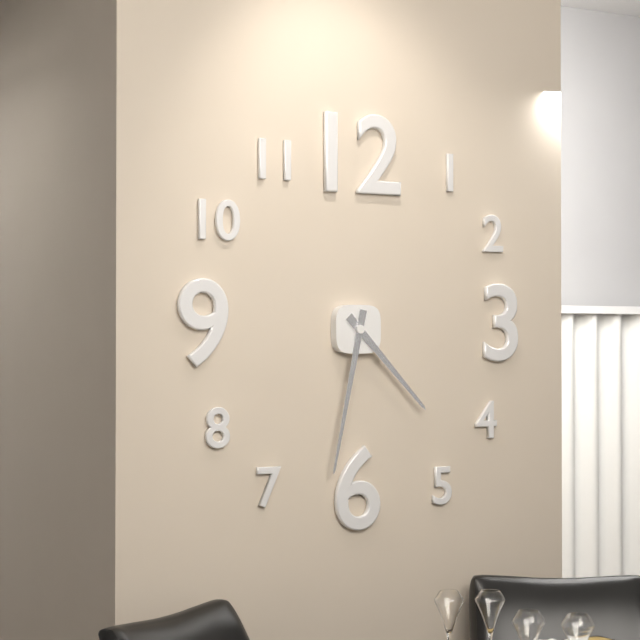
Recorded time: 4:32
